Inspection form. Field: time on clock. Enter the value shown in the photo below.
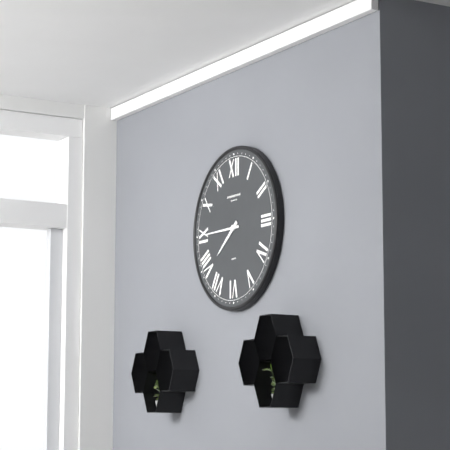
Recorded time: 7:45
